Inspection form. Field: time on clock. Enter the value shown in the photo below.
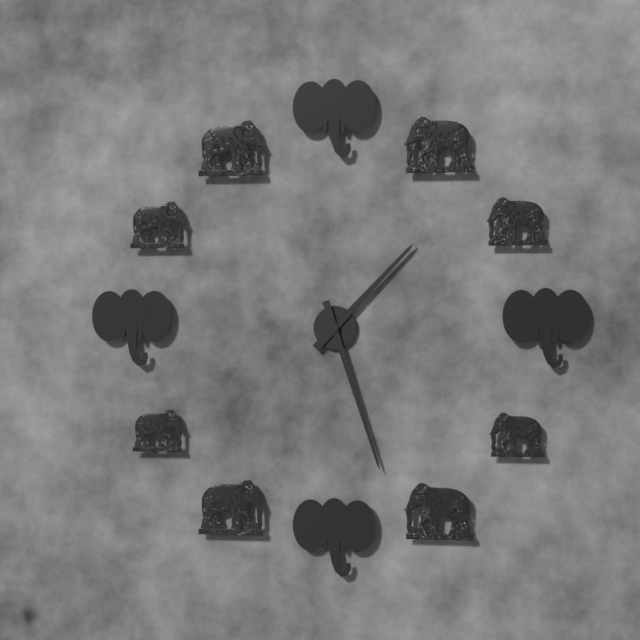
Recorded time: 1:27
